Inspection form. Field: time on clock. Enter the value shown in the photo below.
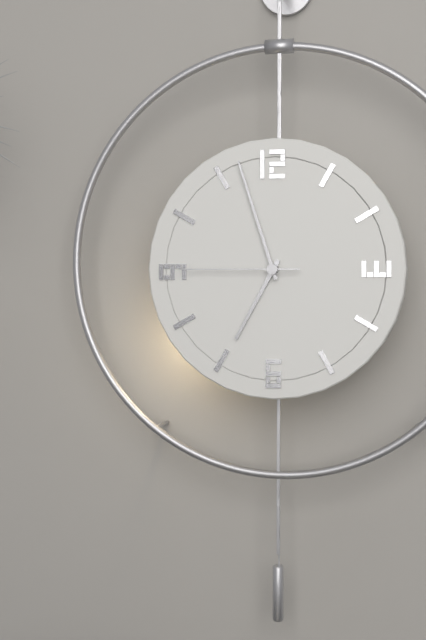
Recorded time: 6:57:45
